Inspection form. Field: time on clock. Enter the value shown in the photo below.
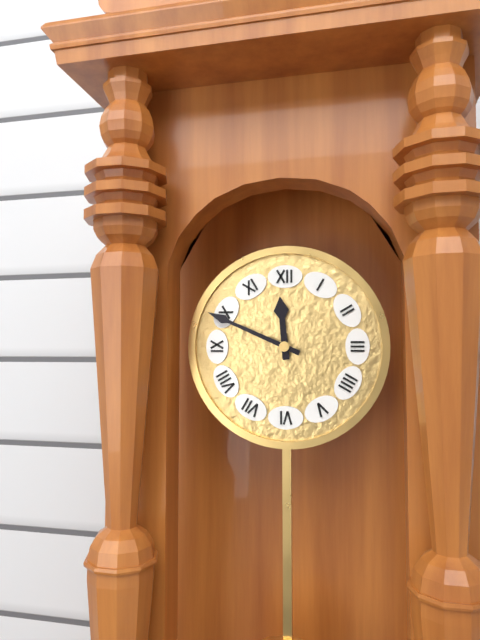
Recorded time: 11:49
